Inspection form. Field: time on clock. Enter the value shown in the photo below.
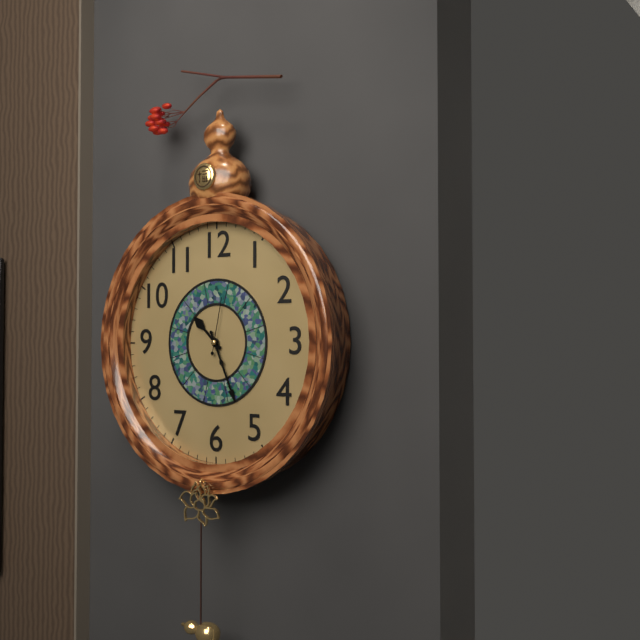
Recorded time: 10:26:02
